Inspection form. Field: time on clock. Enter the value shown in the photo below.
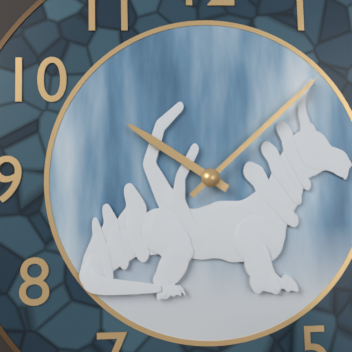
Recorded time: 10:08
